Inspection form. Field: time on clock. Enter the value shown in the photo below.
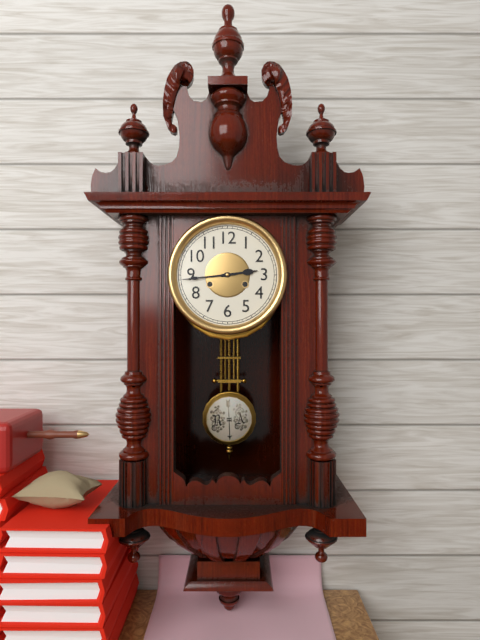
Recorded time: 2:44
